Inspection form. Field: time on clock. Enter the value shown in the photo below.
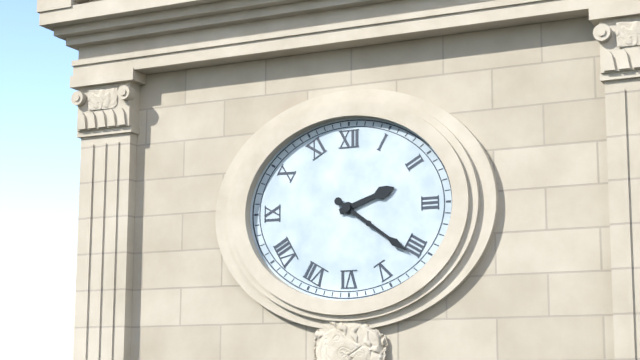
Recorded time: 2:21
